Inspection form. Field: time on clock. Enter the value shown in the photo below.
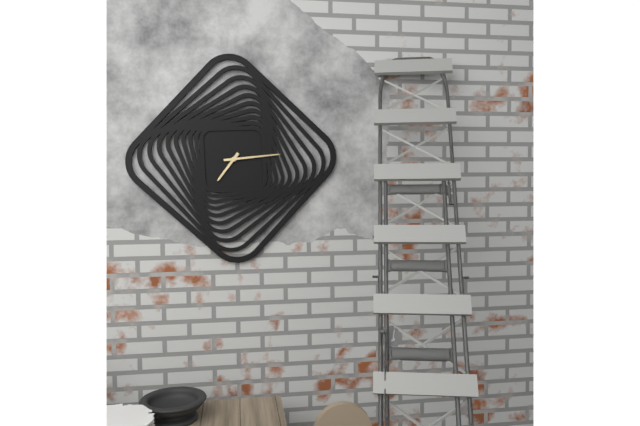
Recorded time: 7:14
